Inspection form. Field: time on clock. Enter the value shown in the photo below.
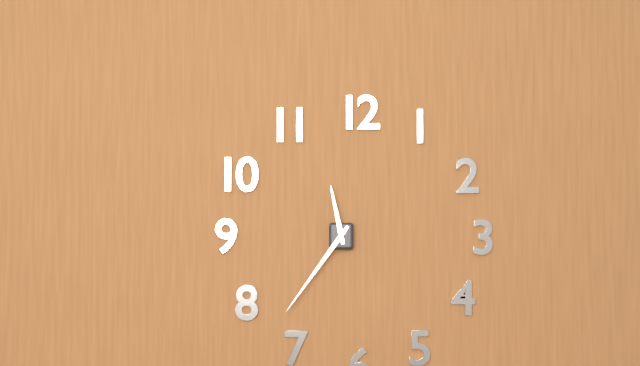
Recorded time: 11:36
